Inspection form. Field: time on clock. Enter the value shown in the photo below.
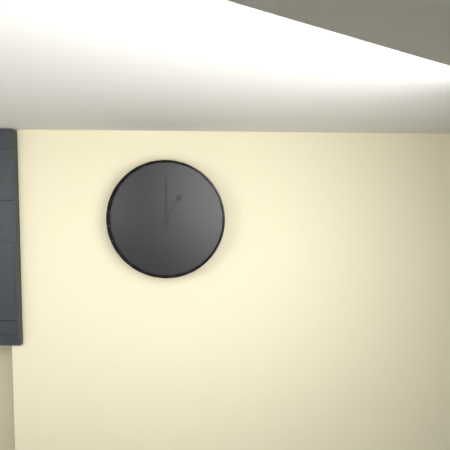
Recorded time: 1:00
